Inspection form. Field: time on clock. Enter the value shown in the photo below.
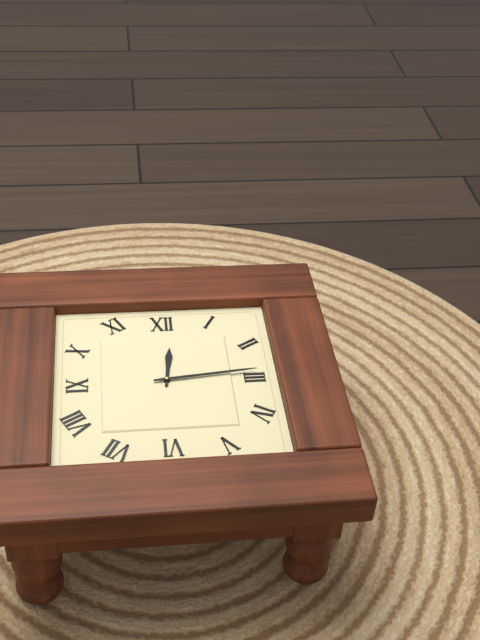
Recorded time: 12:14
